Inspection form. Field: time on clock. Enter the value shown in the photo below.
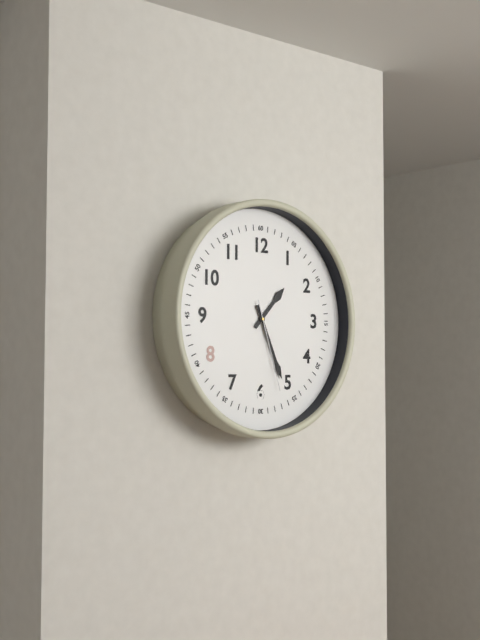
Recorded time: 1:26:27
